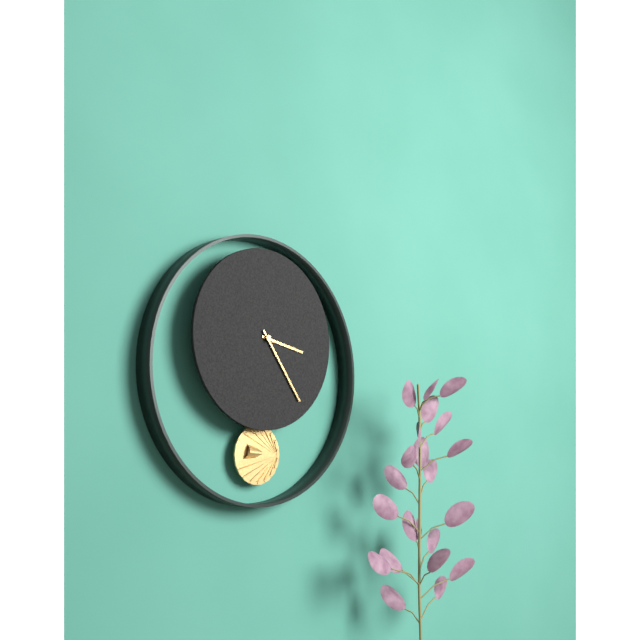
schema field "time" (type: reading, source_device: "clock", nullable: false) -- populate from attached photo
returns 3:24
